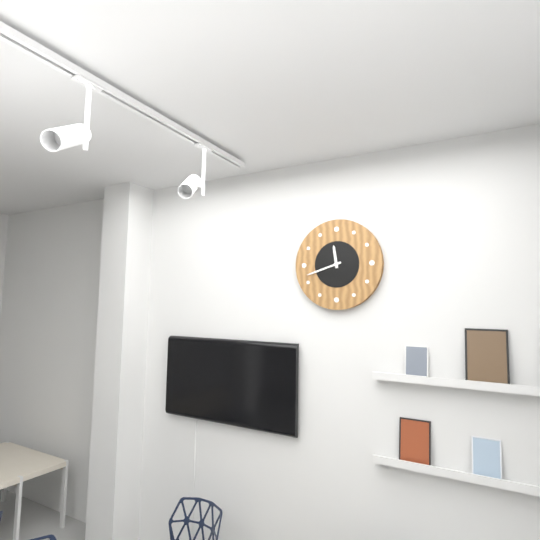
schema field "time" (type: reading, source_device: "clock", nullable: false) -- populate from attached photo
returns 11:42
